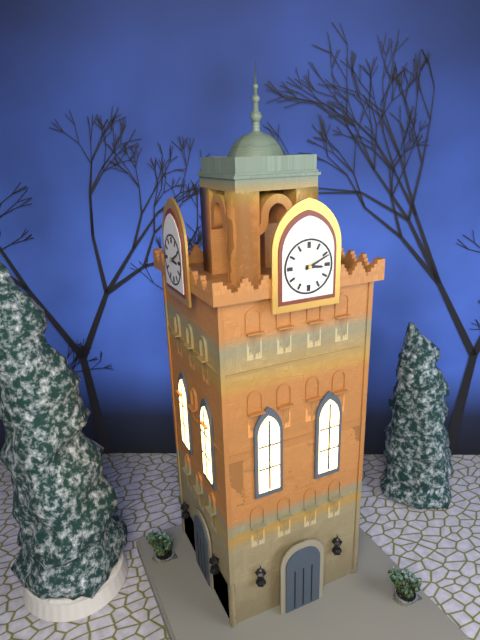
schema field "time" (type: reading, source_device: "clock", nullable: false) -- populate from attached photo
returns 3:11
